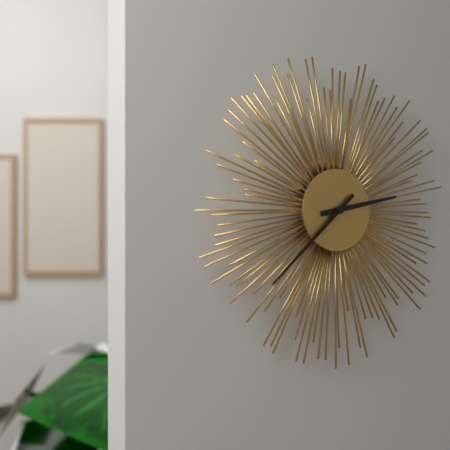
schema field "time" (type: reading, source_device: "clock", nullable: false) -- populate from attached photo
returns 2:38
